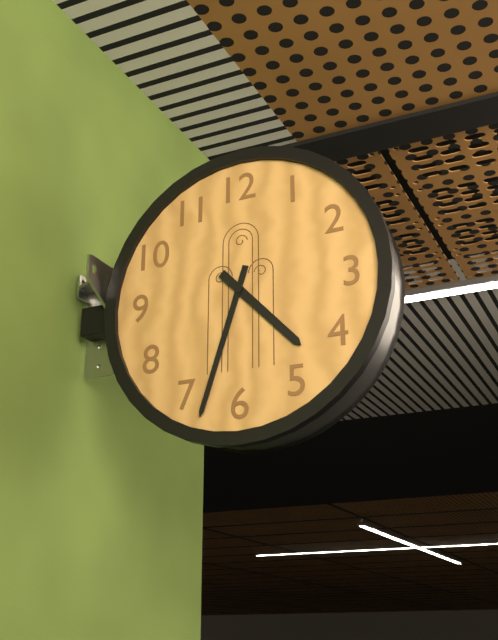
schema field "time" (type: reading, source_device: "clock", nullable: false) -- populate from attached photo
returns 4:33
